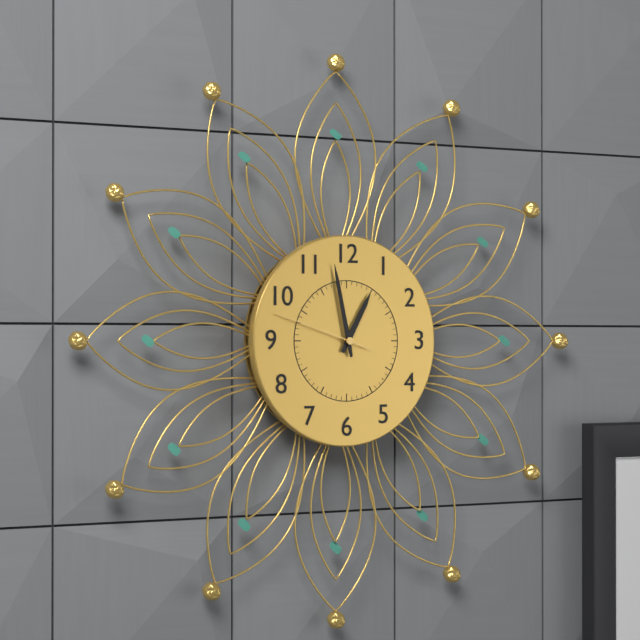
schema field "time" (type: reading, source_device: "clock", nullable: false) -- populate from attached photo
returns 12:58:48
